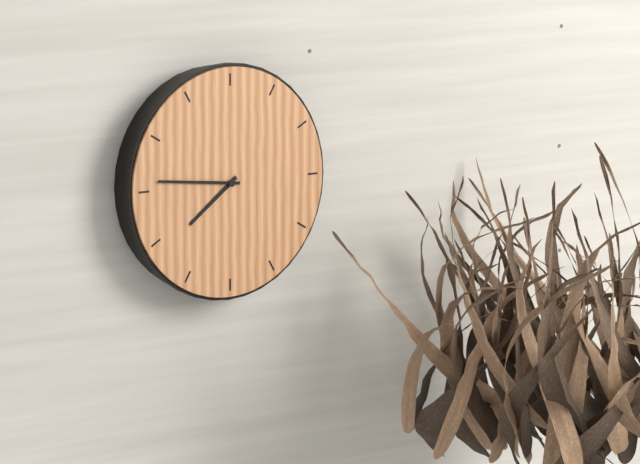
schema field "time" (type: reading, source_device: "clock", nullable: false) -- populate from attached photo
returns 7:46
